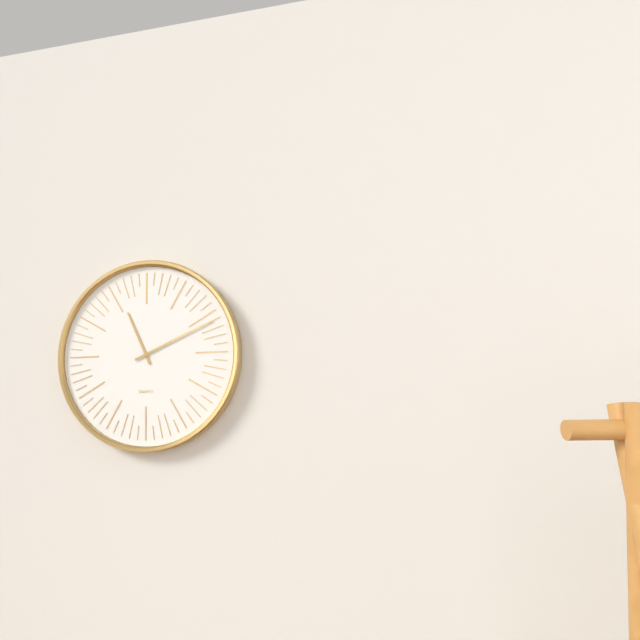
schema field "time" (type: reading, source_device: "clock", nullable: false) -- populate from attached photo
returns 11:11
